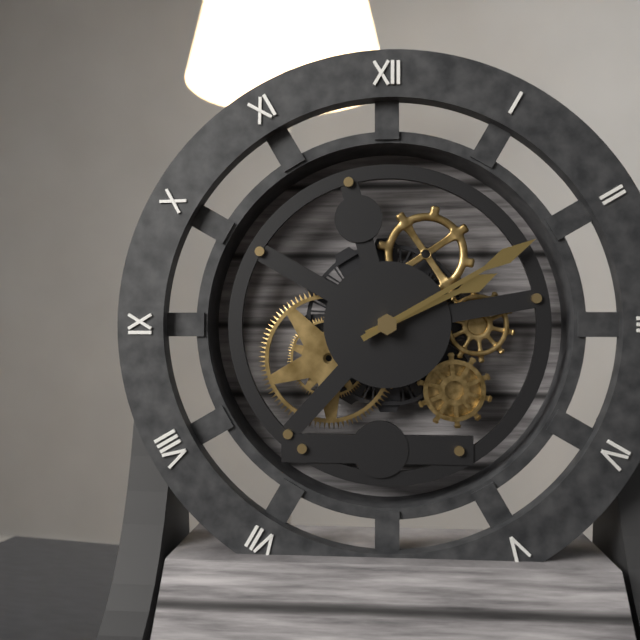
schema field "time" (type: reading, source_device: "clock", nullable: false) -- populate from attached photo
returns 2:10
